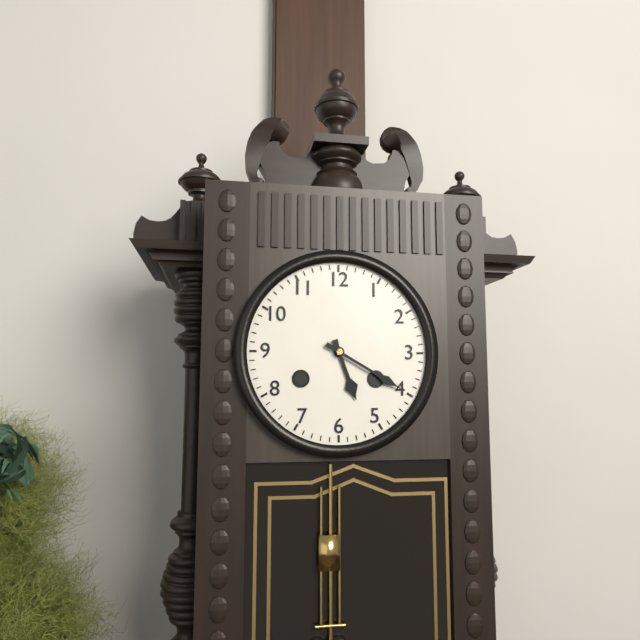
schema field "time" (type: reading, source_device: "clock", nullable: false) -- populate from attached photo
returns 5:20
